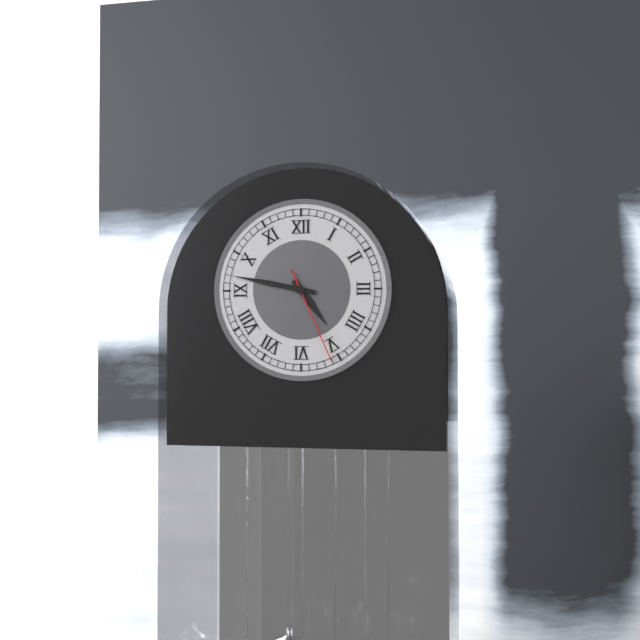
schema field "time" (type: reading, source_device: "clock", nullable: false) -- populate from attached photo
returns 4:47:26
